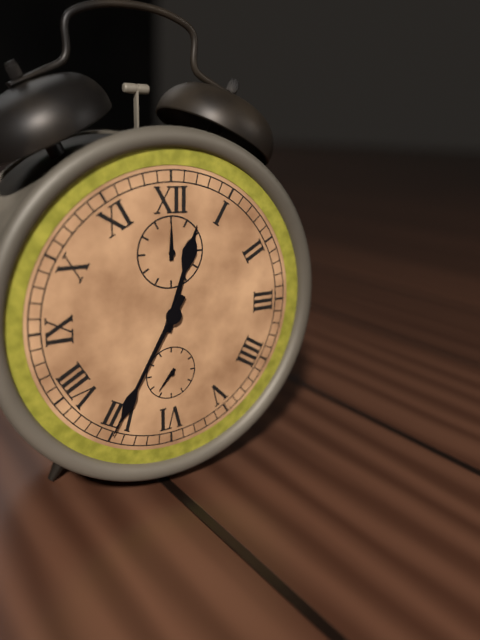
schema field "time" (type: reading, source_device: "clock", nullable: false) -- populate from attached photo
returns 12:35
